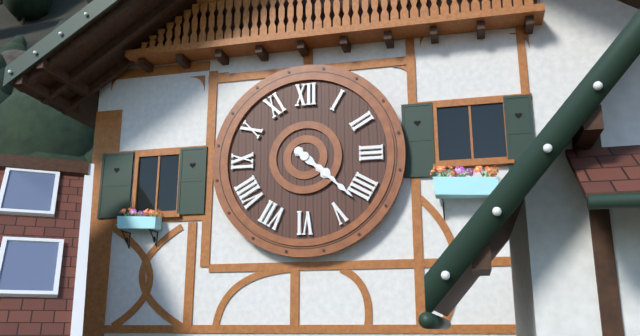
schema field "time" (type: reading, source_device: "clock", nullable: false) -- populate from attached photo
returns 4:22
